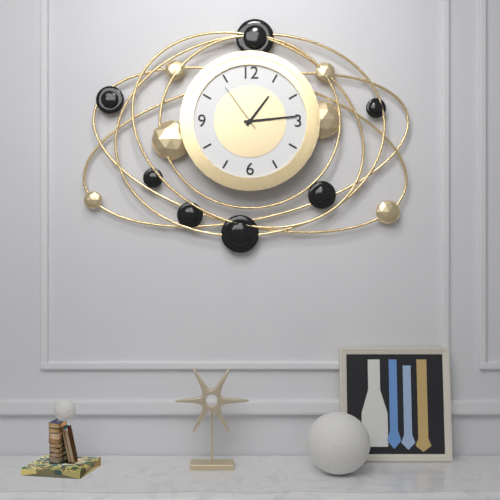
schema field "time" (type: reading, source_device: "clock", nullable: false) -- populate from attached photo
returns 1:14:54
